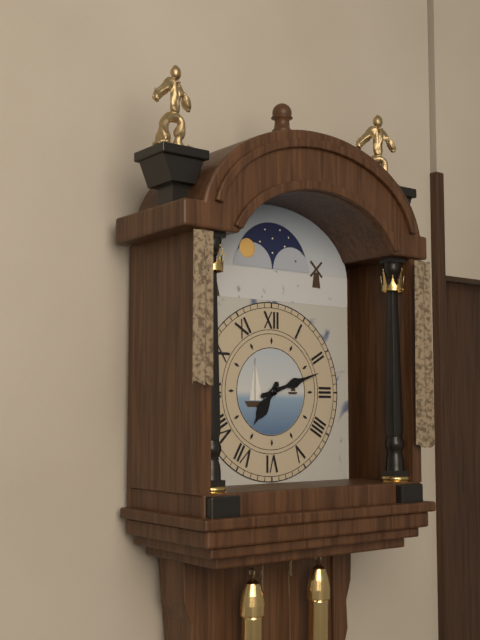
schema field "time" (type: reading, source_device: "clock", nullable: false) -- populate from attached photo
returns 7:12
